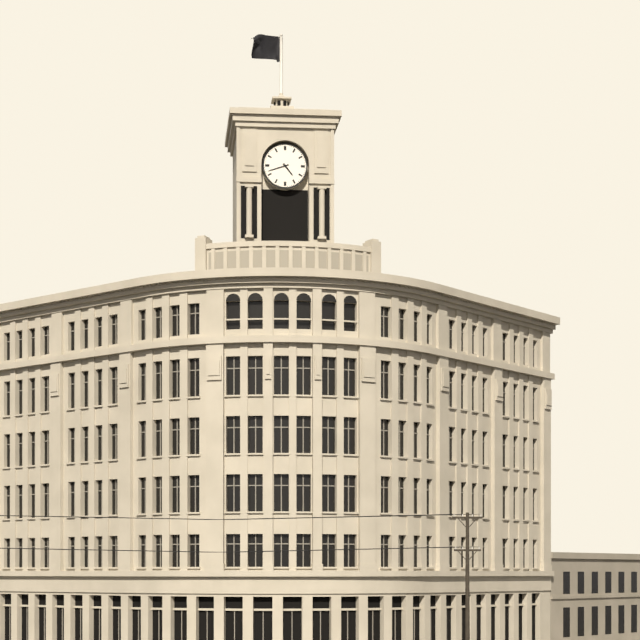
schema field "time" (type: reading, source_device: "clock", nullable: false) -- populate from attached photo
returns 4:42
